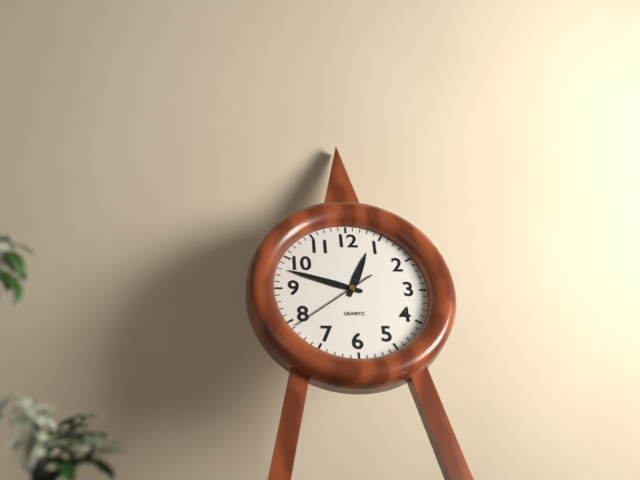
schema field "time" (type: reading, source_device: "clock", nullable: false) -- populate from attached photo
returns 12:48:39
